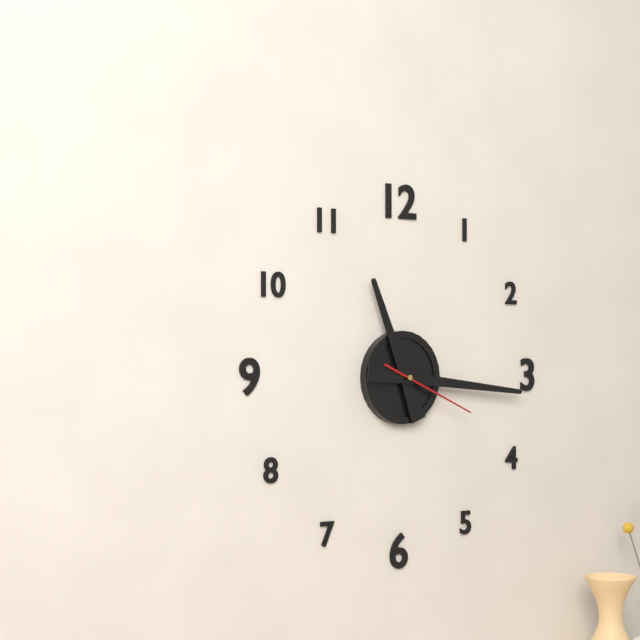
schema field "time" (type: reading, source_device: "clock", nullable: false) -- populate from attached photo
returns 11:16:19
